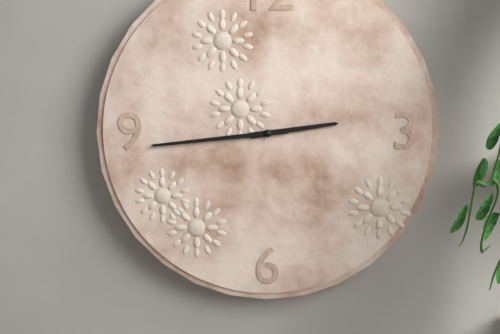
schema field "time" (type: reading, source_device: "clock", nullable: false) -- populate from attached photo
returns 2:44
